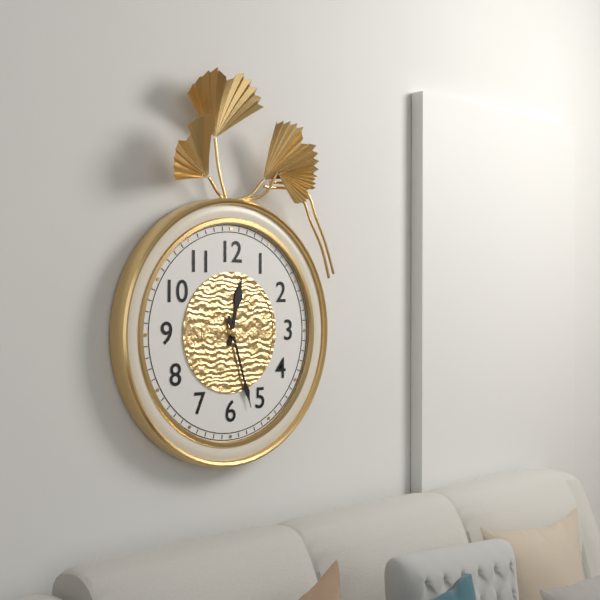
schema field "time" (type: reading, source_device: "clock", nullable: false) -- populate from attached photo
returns 12:27
